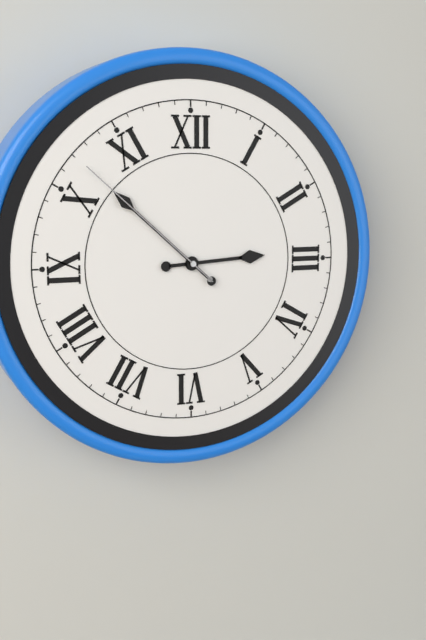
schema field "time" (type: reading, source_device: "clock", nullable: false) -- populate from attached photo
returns 2:52:52
